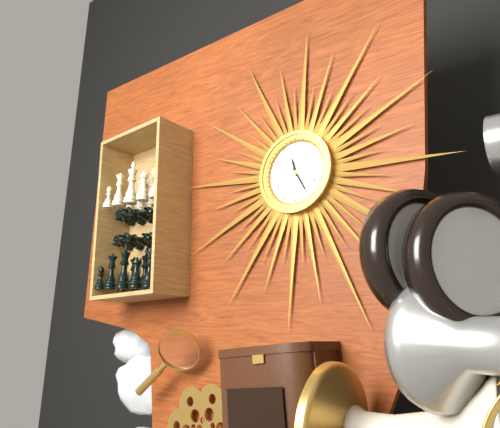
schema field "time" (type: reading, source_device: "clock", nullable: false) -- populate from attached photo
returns 11:25
